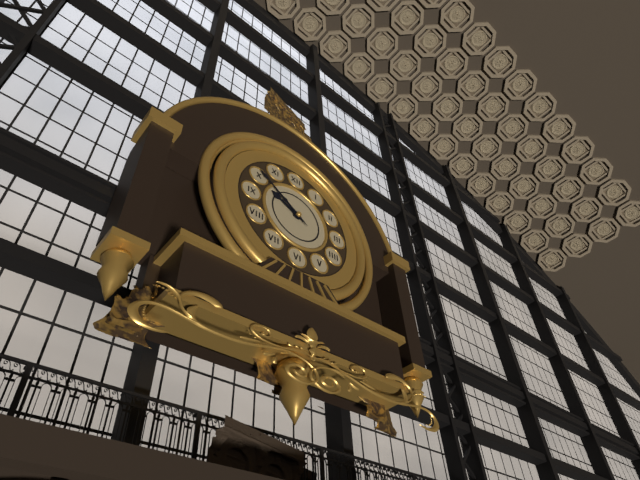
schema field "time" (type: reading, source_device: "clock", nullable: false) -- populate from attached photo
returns 9:51
